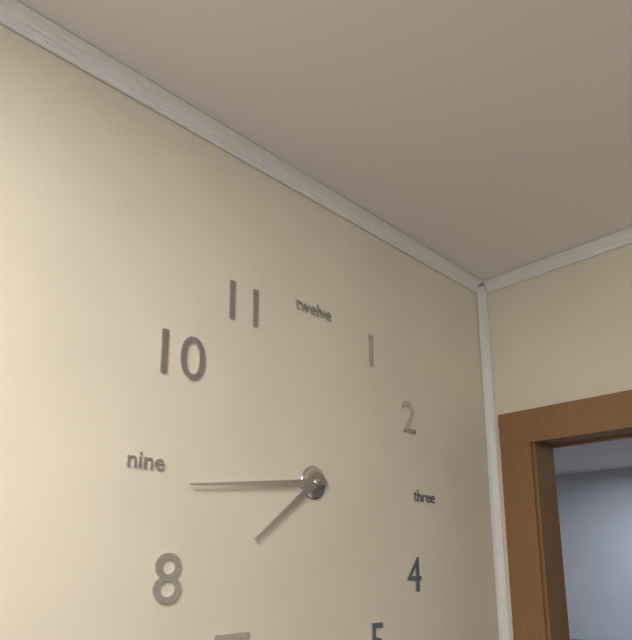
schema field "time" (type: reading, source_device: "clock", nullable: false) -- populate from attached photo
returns 7:44
